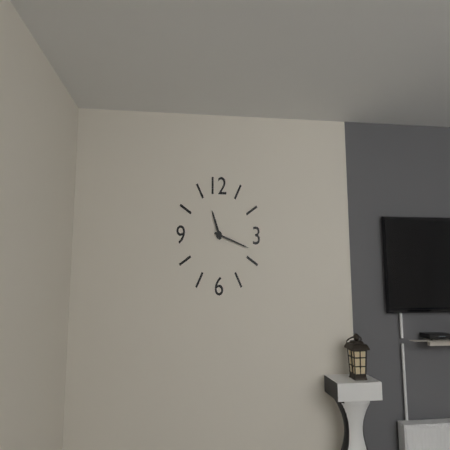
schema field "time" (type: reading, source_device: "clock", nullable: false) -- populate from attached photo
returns 11:18
